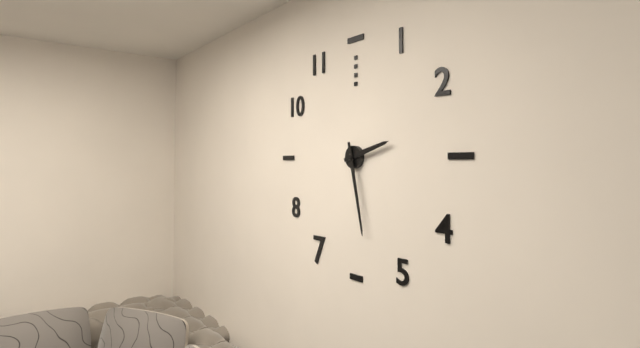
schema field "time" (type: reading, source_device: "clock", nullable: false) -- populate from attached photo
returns 2:28
